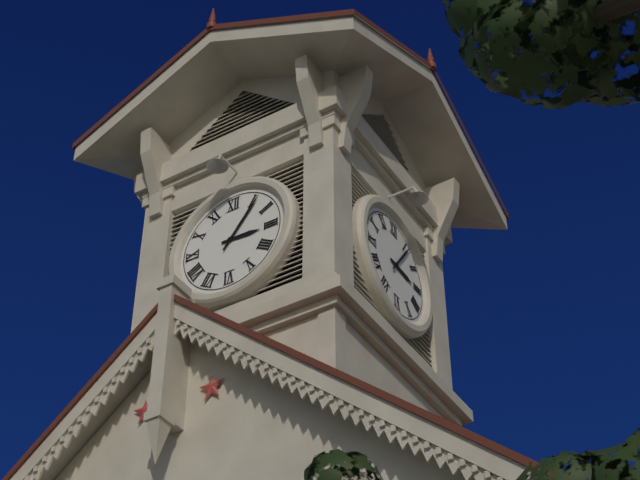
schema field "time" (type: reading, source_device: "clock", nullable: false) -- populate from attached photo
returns 3:06
